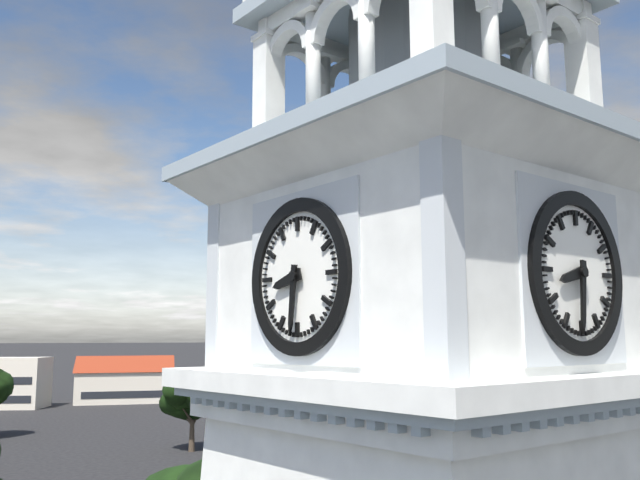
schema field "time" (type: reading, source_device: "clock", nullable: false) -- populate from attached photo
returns 8:31
